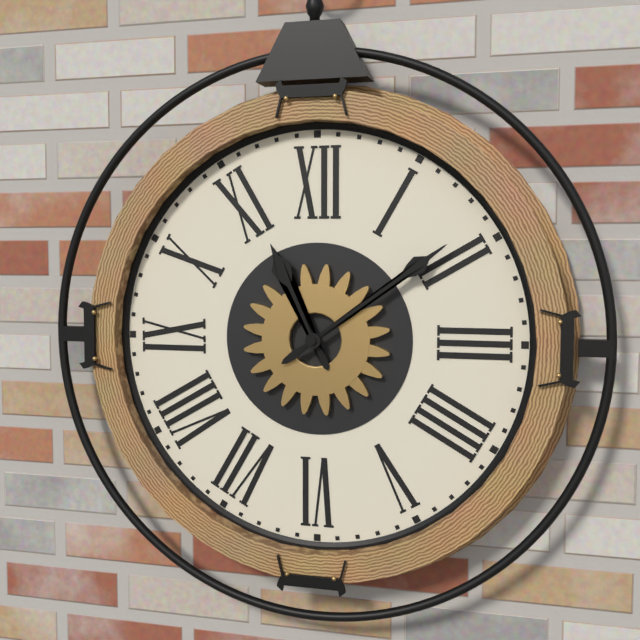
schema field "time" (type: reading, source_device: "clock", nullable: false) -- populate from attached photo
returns 11:09
